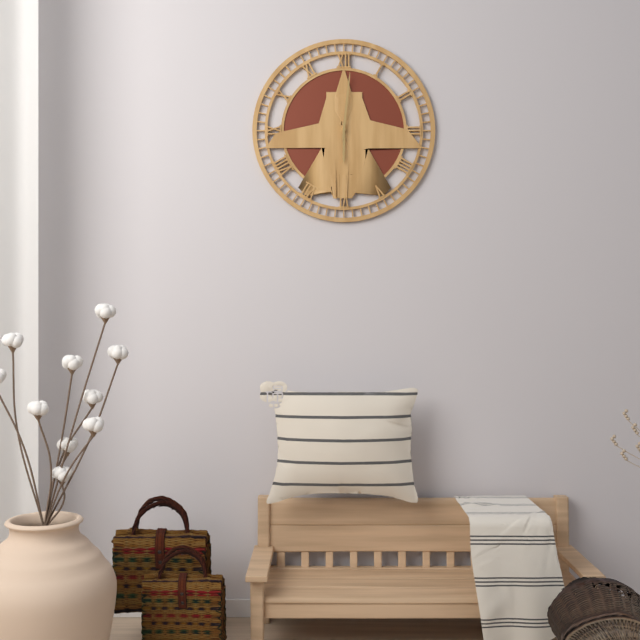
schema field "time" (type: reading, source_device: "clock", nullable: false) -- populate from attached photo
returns 6:01
